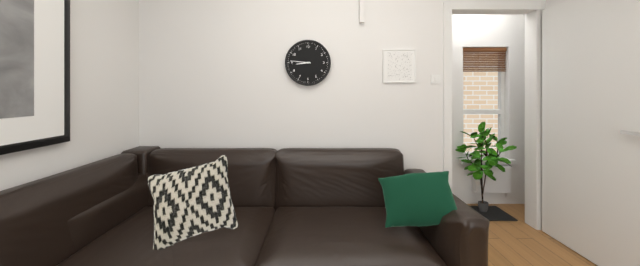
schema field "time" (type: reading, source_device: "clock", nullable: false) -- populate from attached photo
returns 8:46
